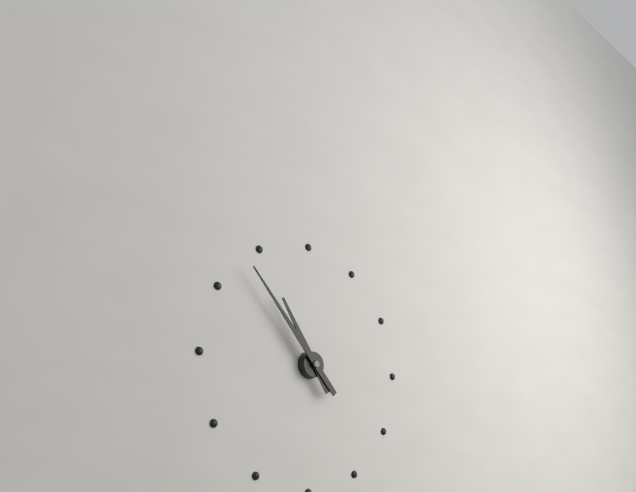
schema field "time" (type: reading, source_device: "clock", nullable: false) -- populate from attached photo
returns 10:53
